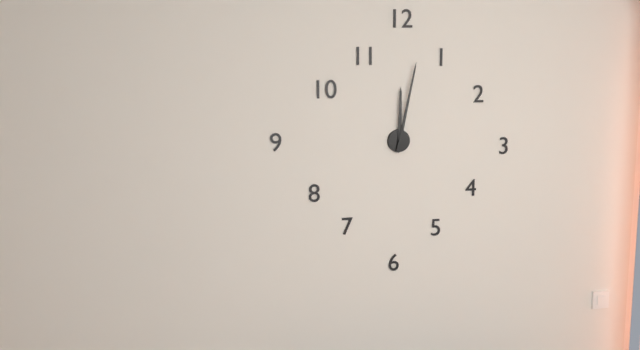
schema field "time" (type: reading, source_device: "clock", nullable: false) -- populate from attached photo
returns 12:02
